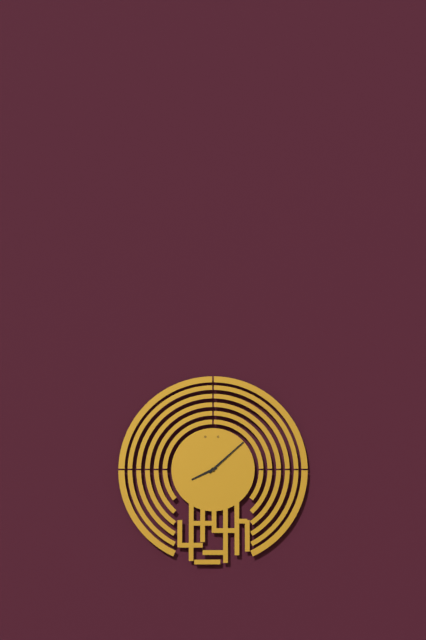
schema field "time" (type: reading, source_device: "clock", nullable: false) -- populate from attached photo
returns 8:08
